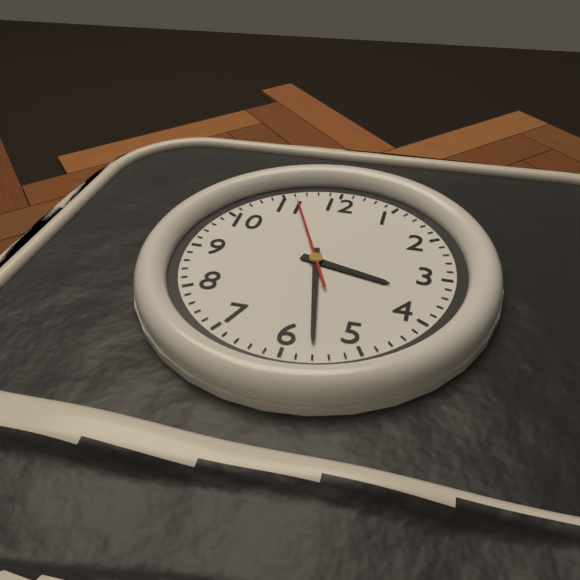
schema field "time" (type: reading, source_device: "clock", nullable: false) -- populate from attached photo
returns 3:28:56
